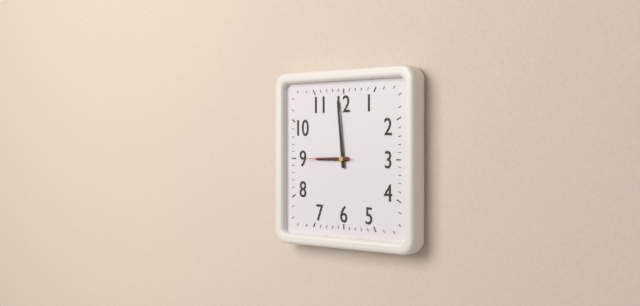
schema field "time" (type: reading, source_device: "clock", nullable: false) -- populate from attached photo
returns 8:59
